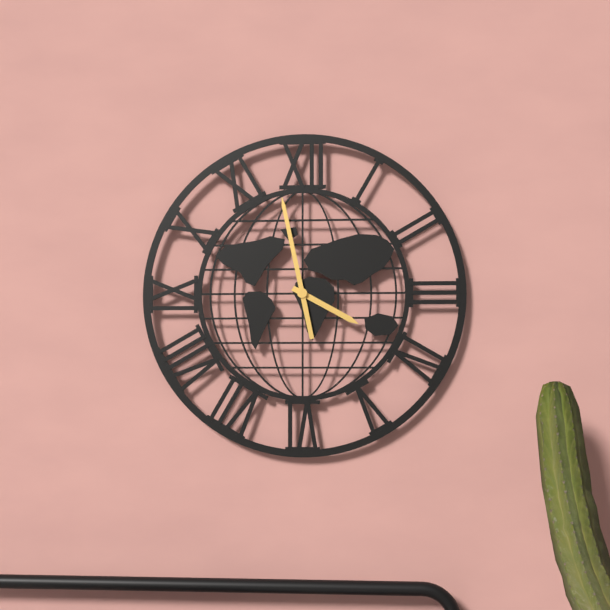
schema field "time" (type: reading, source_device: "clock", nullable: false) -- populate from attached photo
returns 3:58
